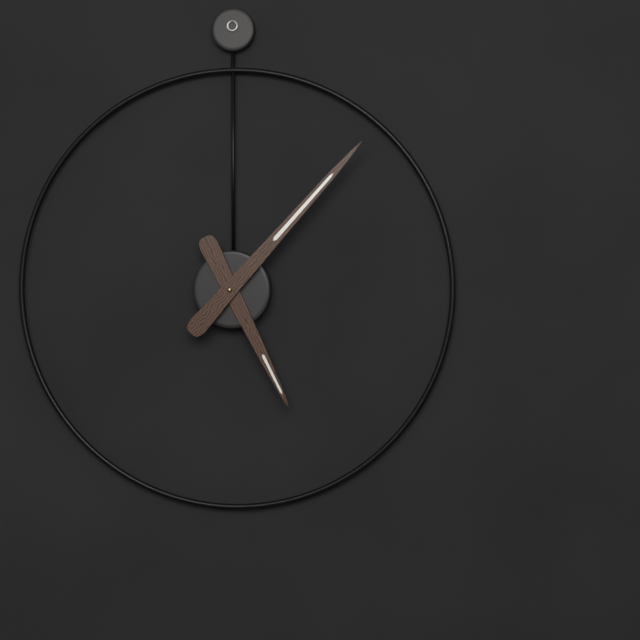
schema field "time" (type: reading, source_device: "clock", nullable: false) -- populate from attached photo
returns 5:07
